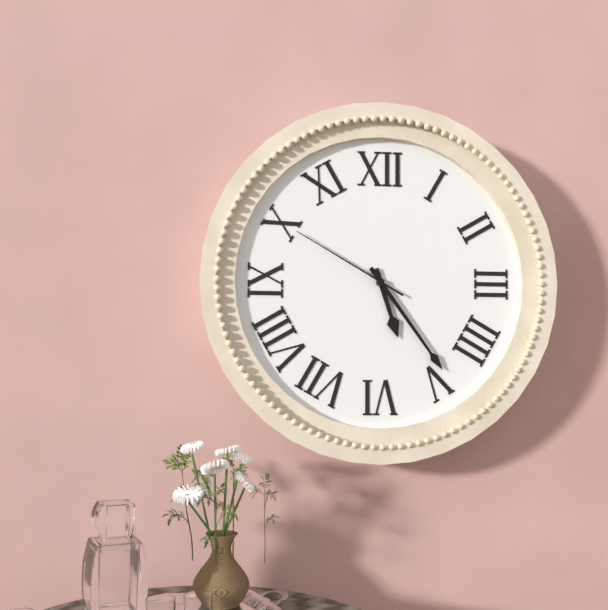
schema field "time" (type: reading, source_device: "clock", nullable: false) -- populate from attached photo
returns 5:24:50
